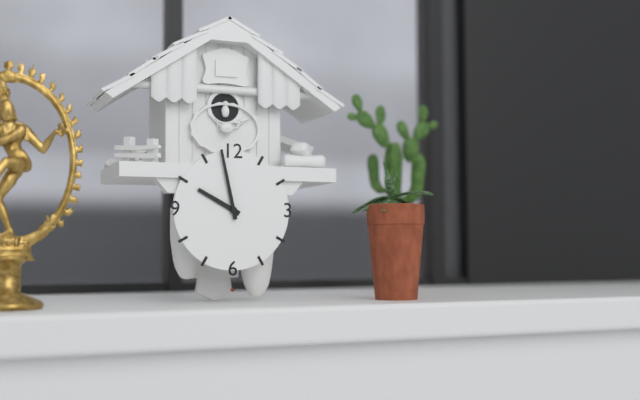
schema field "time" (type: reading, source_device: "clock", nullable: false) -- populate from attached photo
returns 9:58
